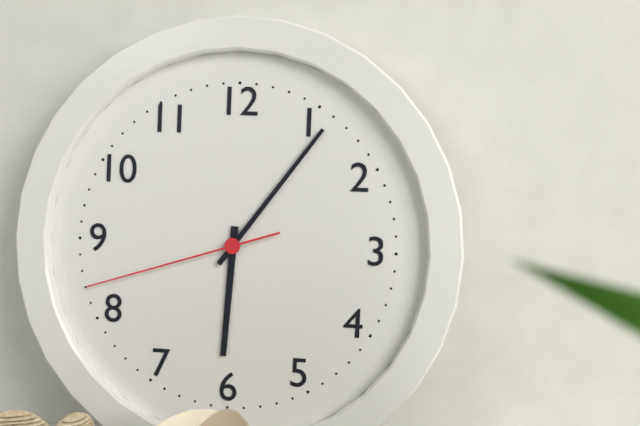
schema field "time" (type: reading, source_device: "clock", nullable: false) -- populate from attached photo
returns 6:06:42
